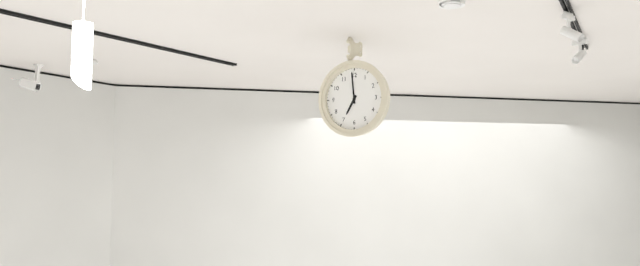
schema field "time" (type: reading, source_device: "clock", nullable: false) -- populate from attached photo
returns 6:59
